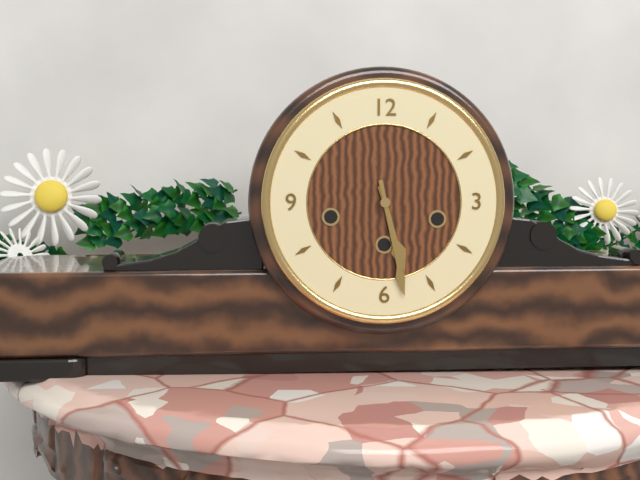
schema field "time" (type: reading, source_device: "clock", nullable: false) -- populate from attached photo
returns 5:28
